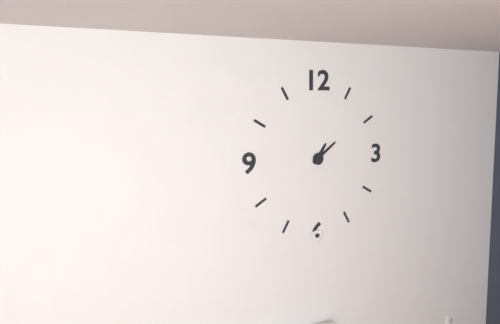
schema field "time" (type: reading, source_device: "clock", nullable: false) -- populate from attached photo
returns 1:09
